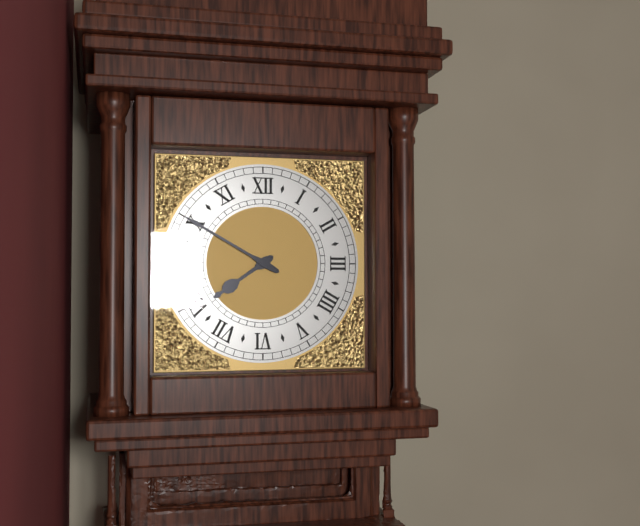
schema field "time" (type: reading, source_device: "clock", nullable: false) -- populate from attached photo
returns 7:50
